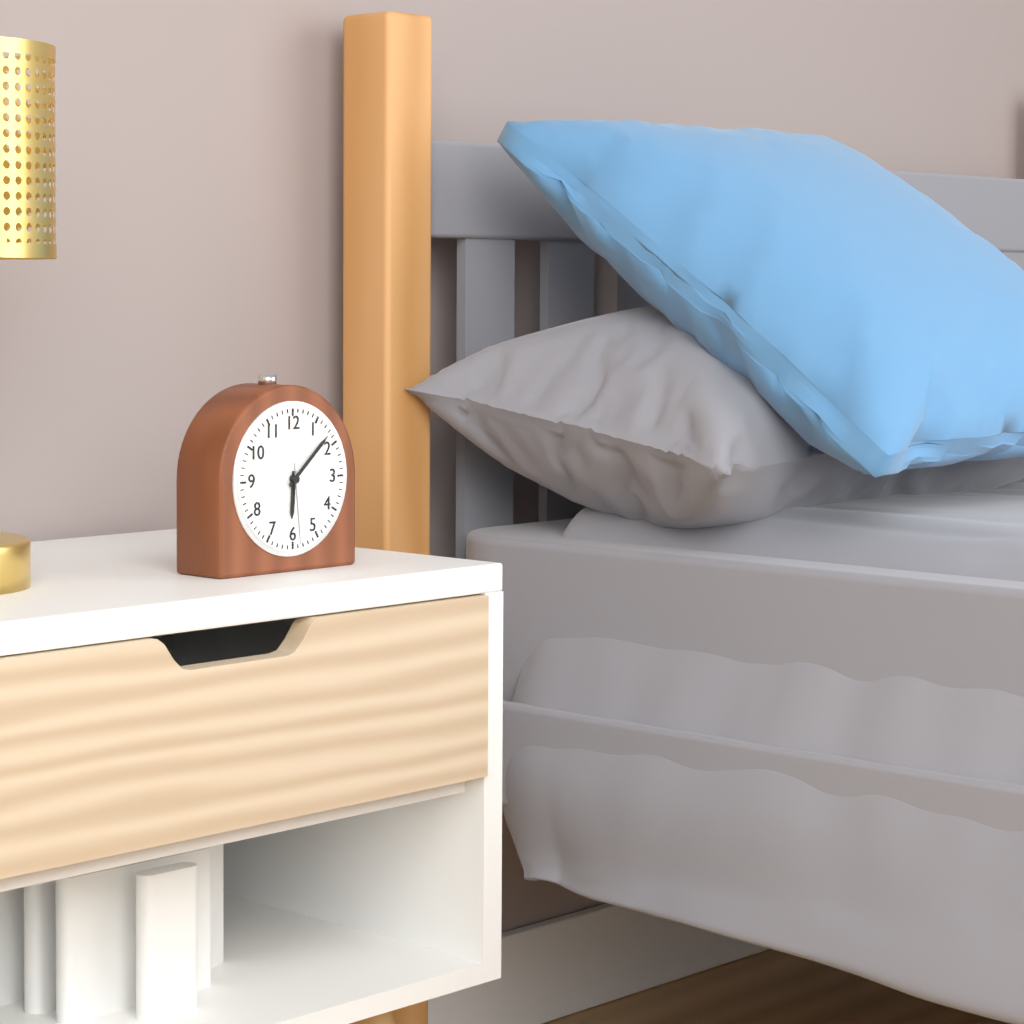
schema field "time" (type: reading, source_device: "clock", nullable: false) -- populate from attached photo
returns 6:08:29
